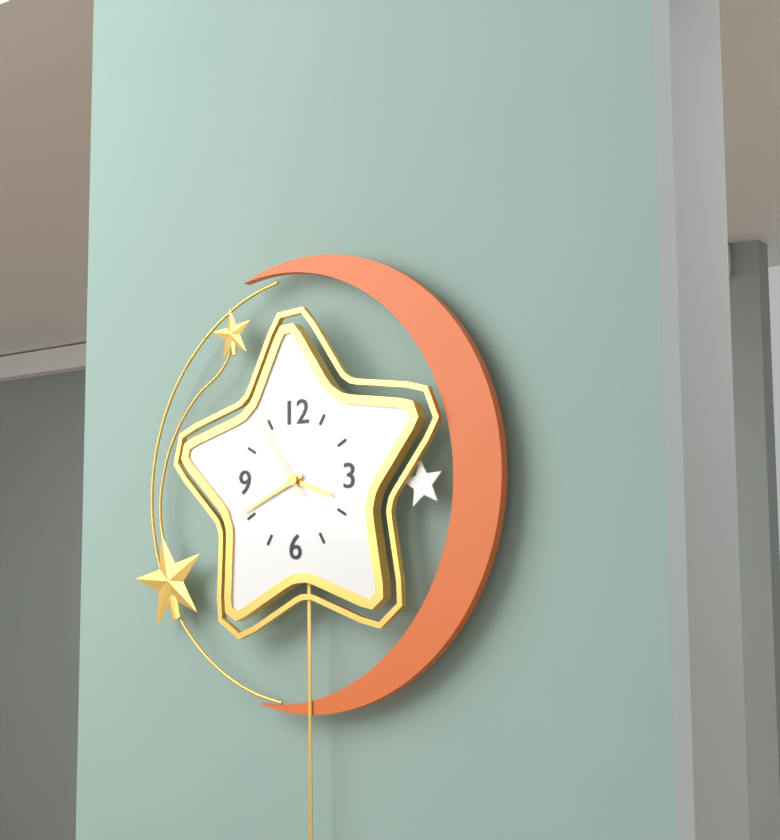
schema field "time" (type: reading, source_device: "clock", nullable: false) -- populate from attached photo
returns 3:41:54
